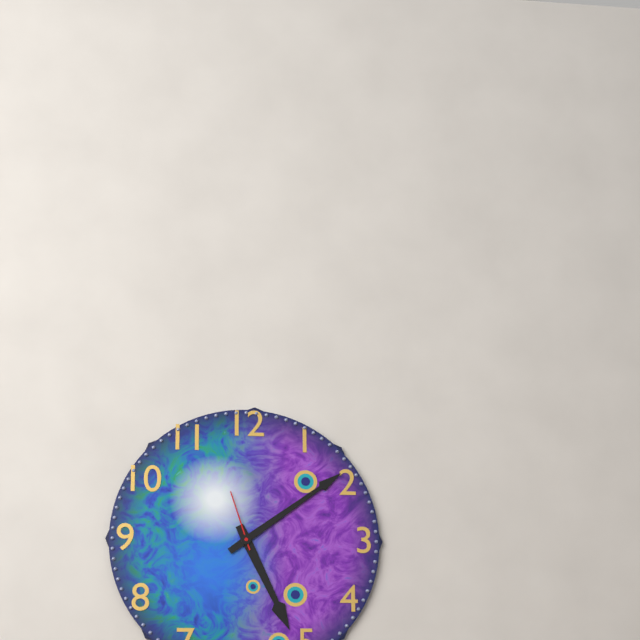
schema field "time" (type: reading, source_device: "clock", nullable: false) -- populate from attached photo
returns 5:09:57
